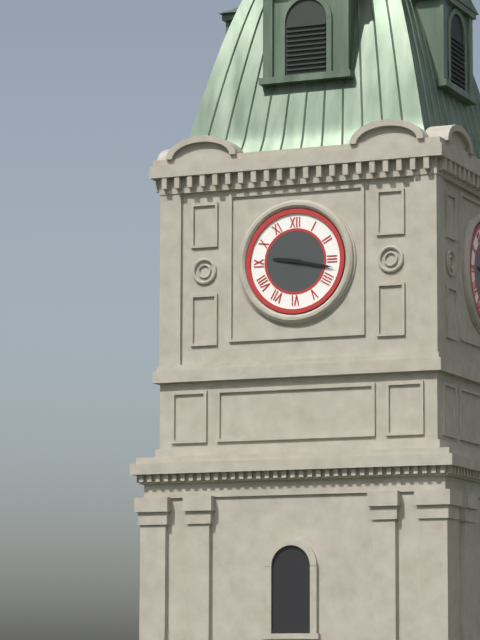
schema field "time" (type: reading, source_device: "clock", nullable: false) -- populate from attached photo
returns 9:17
